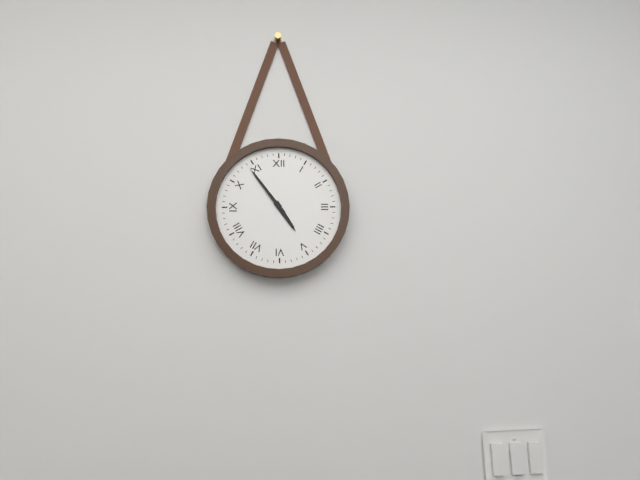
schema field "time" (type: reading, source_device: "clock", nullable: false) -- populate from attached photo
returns 4:54
